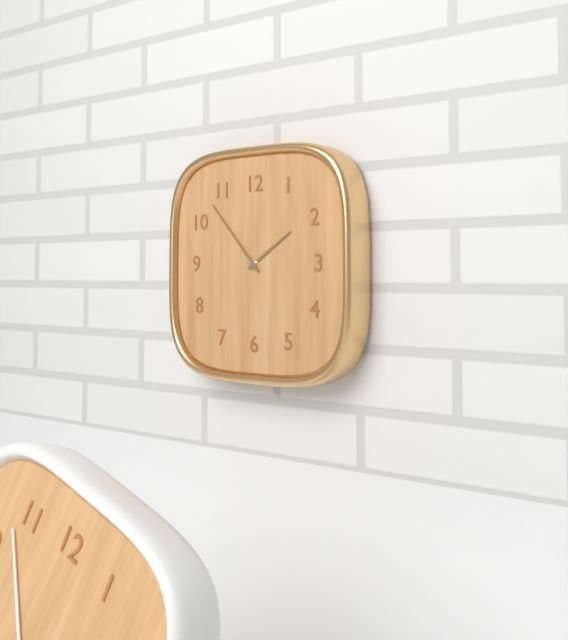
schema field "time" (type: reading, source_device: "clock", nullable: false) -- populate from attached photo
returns 1:53
